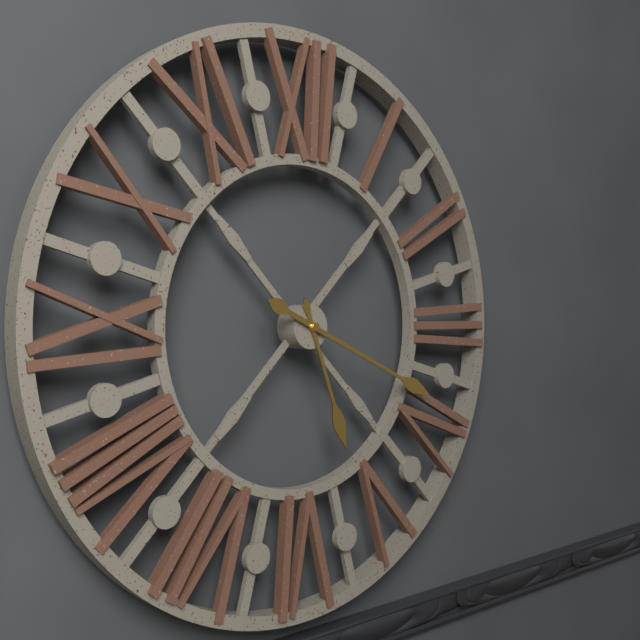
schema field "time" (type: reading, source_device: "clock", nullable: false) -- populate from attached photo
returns 5:19
